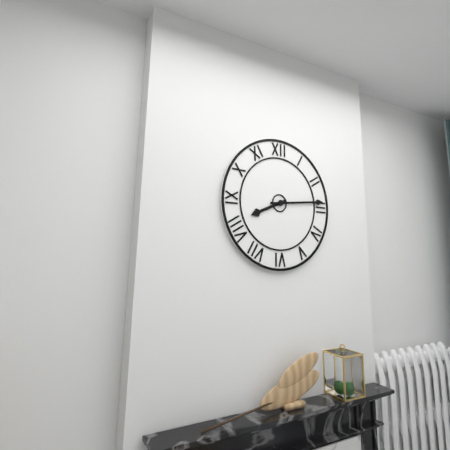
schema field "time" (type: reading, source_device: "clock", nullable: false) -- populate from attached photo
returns 8:14
